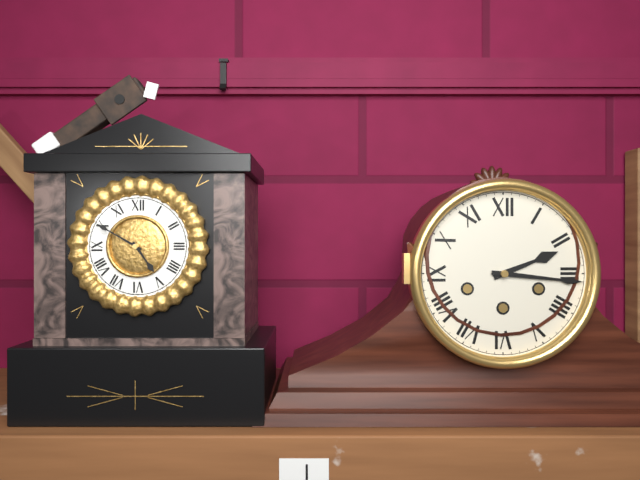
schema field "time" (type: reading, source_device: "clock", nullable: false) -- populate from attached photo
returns 2:16
